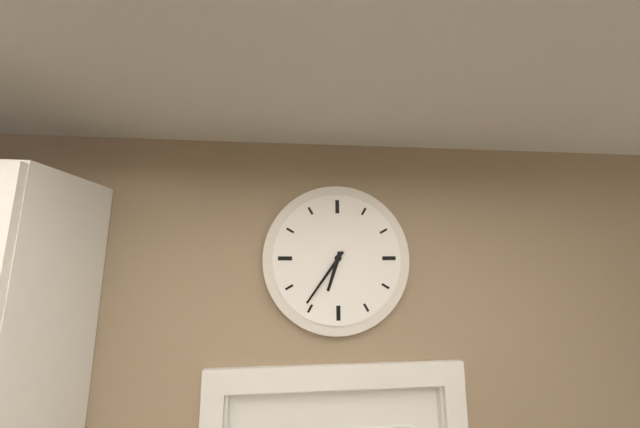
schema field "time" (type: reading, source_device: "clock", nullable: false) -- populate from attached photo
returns 6:36
